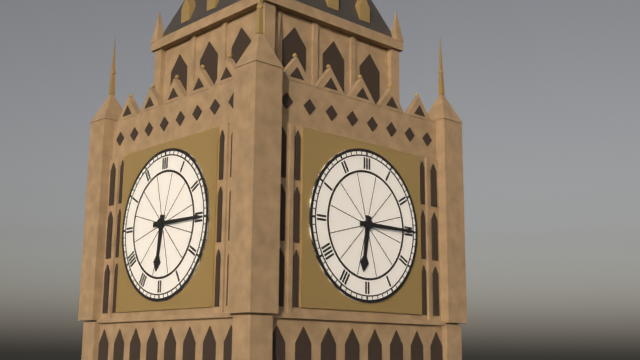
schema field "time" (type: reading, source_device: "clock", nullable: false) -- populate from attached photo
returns 6:15
